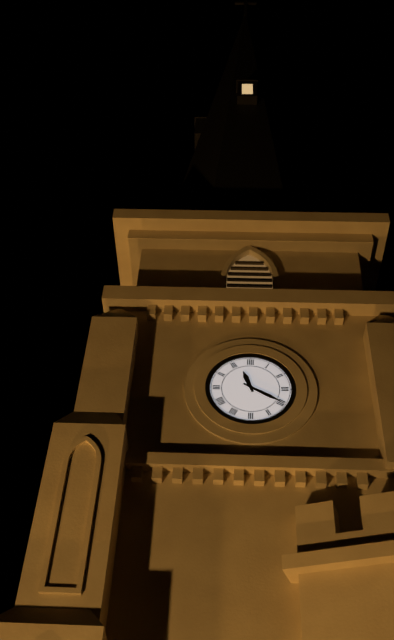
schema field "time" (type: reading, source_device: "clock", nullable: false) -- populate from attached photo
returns 11:20
